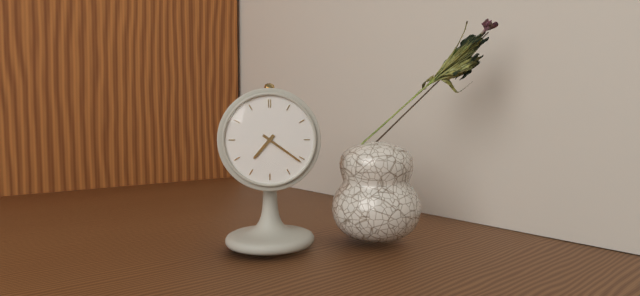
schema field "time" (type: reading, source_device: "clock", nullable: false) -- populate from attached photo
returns 7:21
